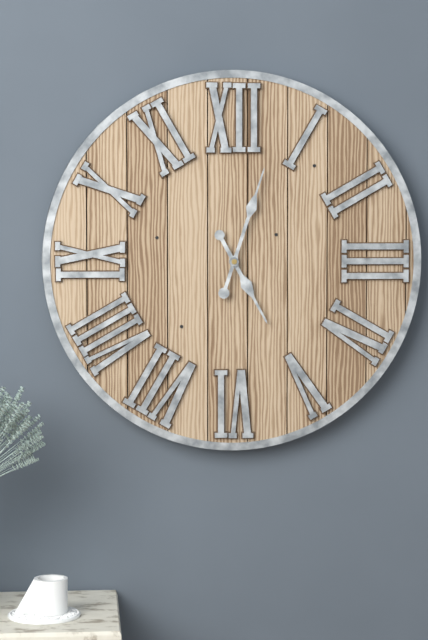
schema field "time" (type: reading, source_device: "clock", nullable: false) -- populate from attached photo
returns 5:03
